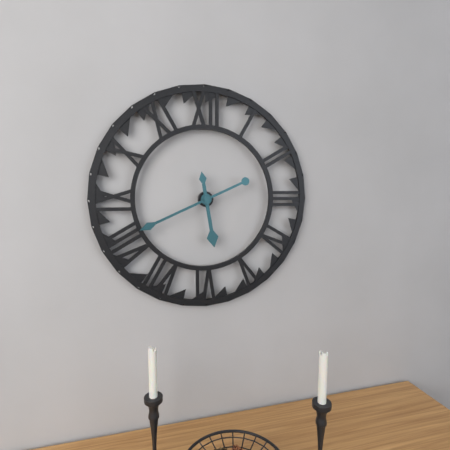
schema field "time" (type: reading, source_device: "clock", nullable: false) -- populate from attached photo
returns 5:41
